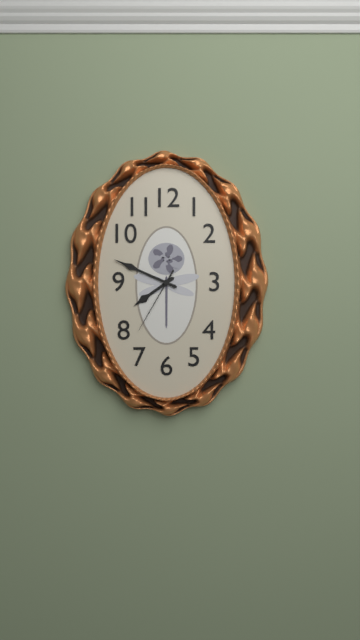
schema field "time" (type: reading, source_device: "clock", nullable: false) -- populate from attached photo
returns 7:49:35
